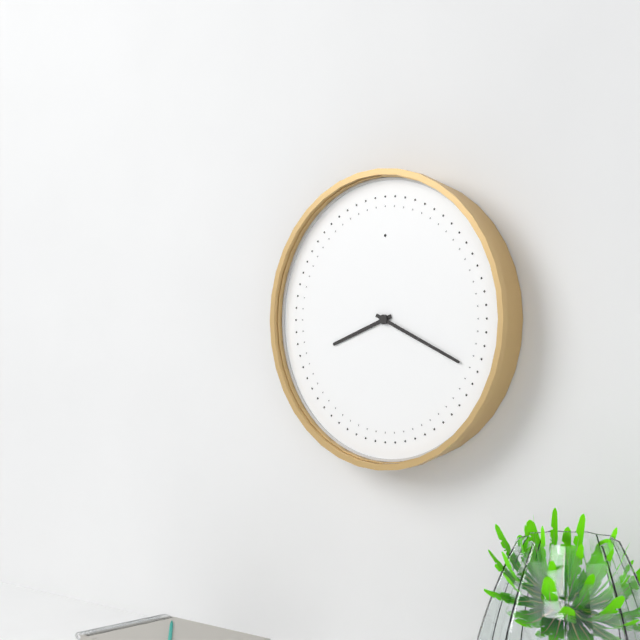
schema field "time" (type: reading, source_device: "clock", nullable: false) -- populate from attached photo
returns 8:19
